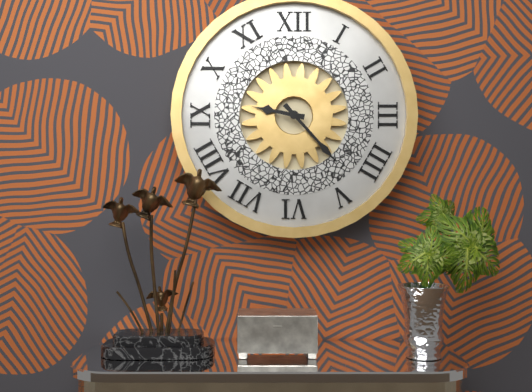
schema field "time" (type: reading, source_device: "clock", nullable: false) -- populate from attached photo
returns 9:23
